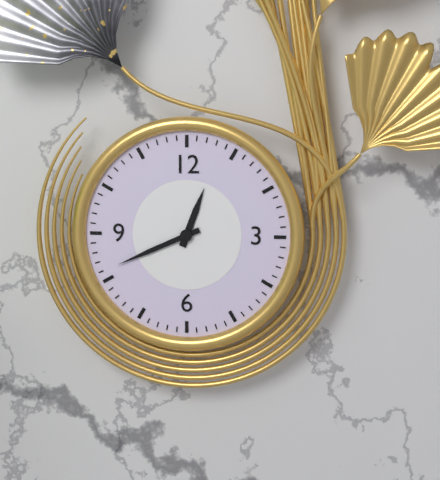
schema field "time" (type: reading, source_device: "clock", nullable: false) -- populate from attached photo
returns 12:41
